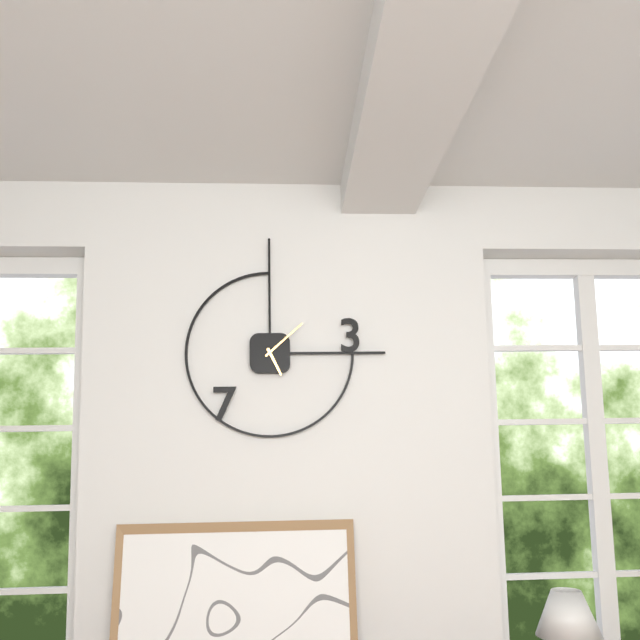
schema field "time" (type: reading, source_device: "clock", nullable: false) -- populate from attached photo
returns 5:08
